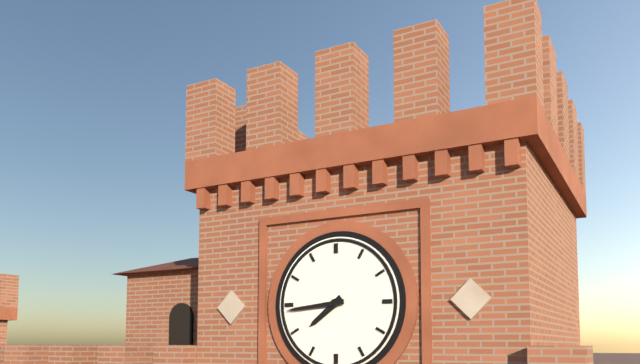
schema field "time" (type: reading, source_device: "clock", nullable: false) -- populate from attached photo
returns 7:44
